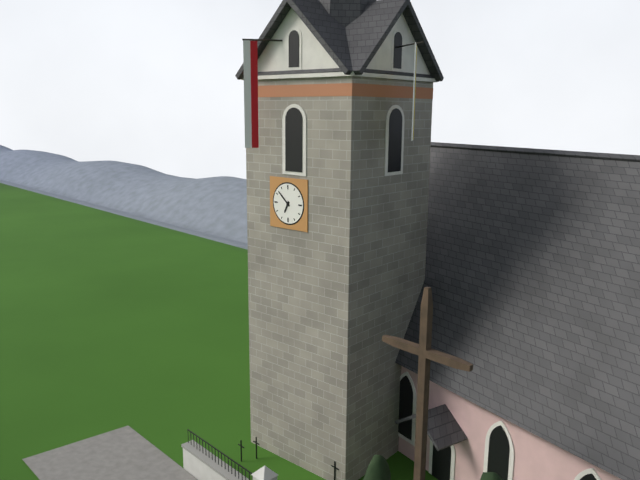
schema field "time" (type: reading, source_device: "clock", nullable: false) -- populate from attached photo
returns 6:52
